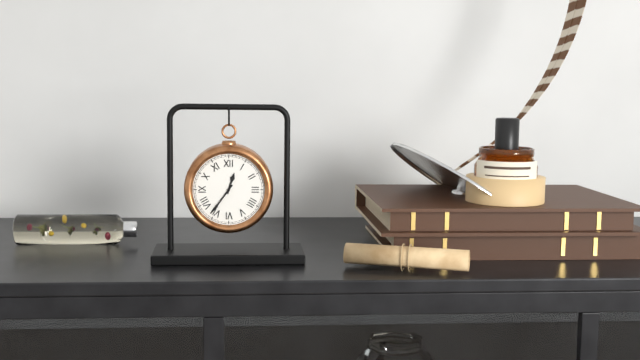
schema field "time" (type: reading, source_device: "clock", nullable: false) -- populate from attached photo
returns 12:36
